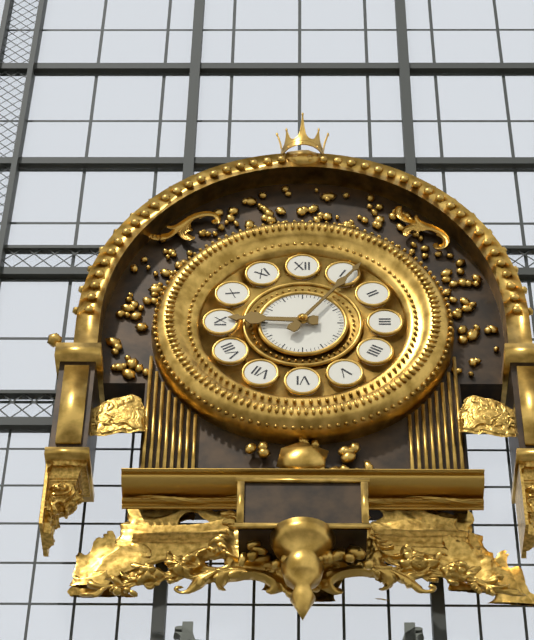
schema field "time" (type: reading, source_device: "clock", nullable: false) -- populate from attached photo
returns 9:06
